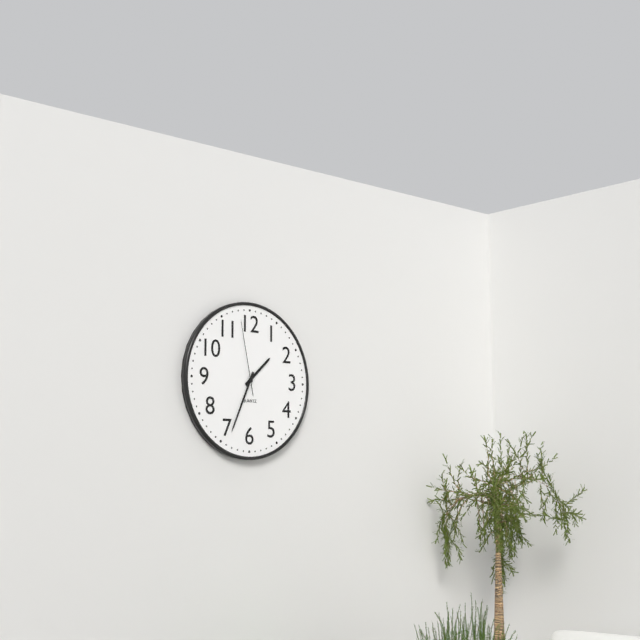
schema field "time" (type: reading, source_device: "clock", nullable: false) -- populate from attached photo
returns 1:34:58
